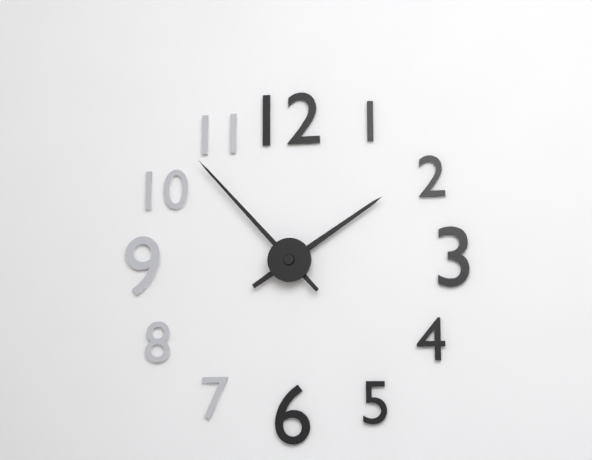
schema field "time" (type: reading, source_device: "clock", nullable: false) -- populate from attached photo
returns 1:53
